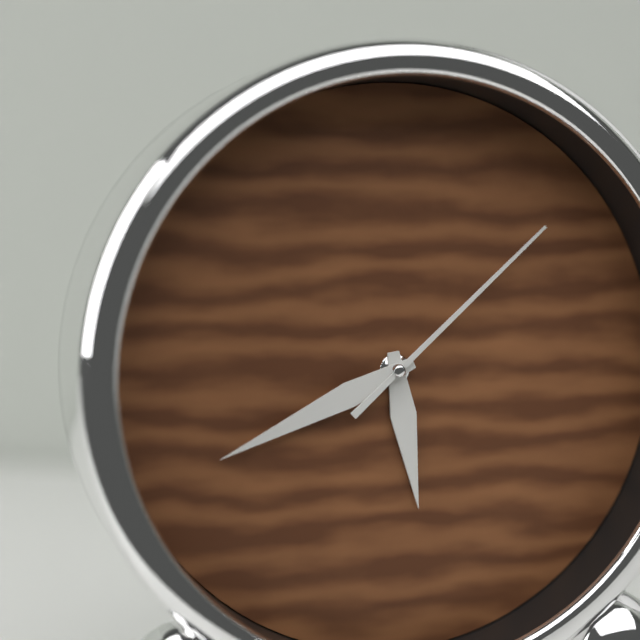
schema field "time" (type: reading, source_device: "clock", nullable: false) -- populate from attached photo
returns 5:41:08
